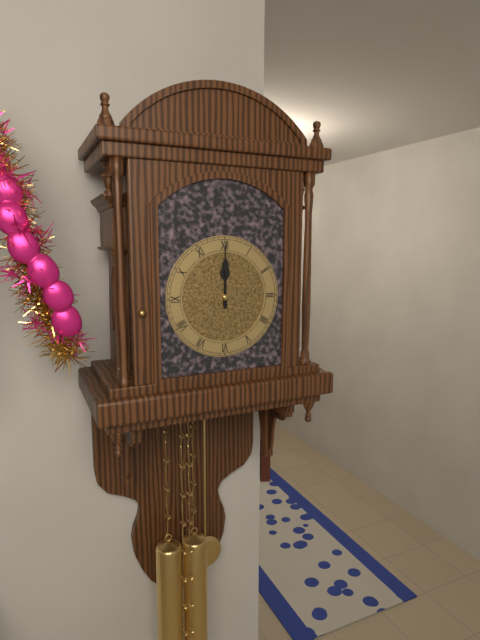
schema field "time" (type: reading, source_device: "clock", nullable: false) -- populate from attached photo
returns 12:00
